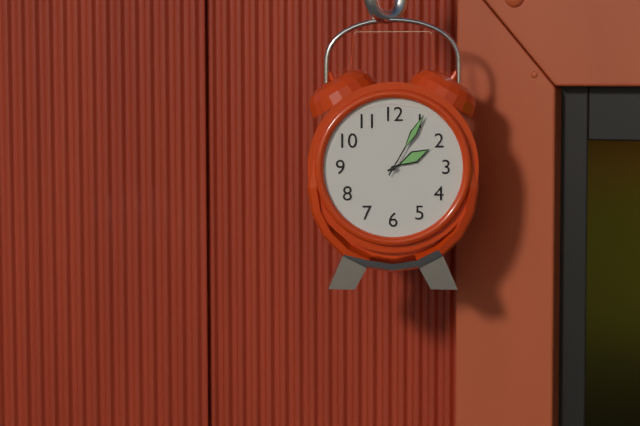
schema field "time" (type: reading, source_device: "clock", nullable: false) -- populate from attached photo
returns 2:05
